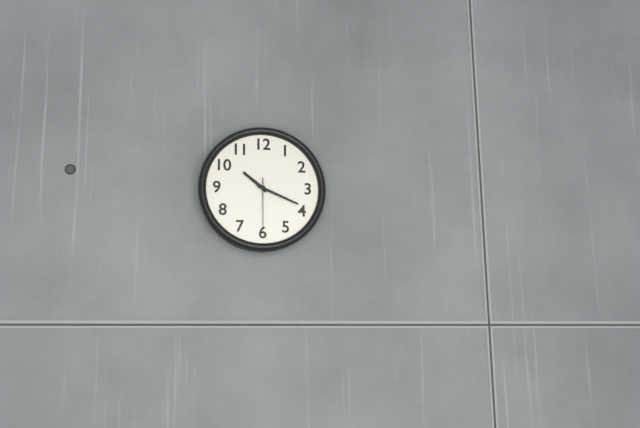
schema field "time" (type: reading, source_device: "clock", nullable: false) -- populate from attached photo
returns 10:19:30
